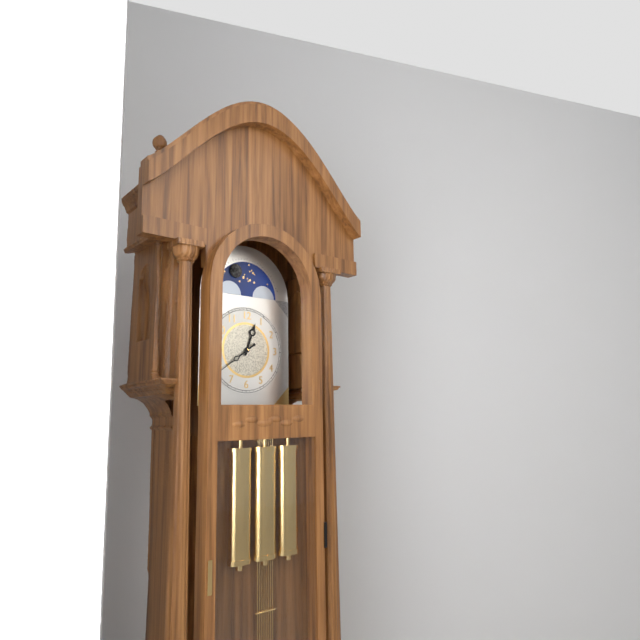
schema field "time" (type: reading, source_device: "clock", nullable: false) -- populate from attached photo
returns 12:39
